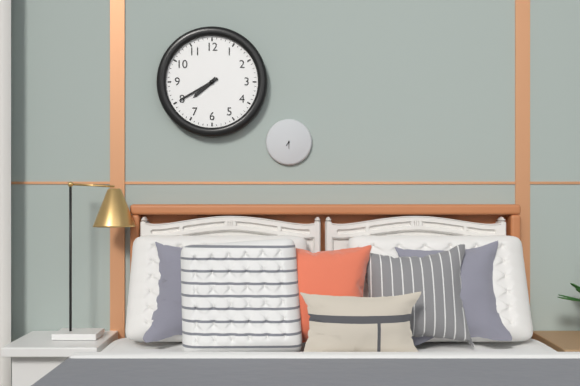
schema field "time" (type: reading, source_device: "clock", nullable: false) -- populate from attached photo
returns 7:40
